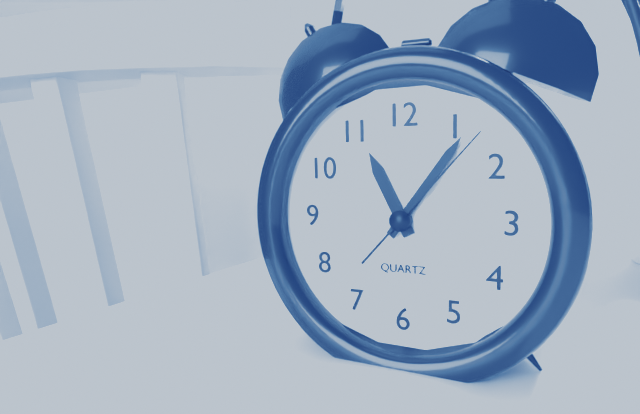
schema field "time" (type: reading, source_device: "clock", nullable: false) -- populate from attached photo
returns 11:06:07
